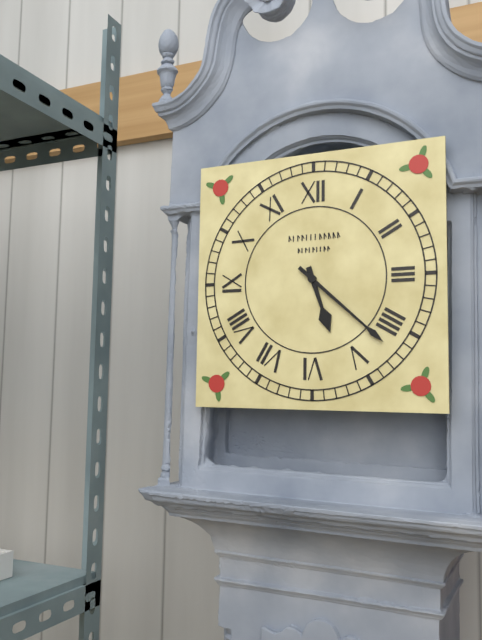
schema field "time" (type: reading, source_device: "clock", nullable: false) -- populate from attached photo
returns 5:22
